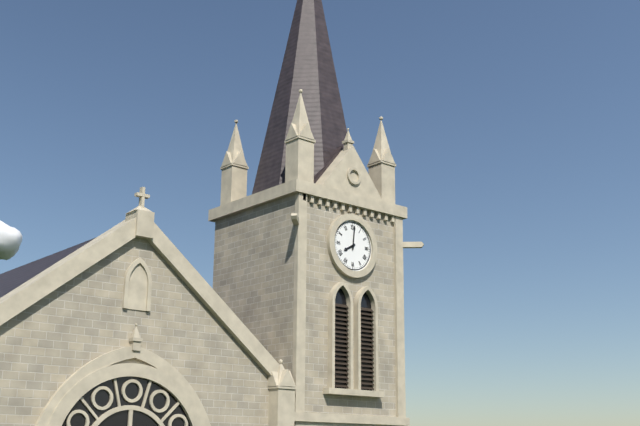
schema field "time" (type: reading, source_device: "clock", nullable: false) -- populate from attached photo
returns 8:01
